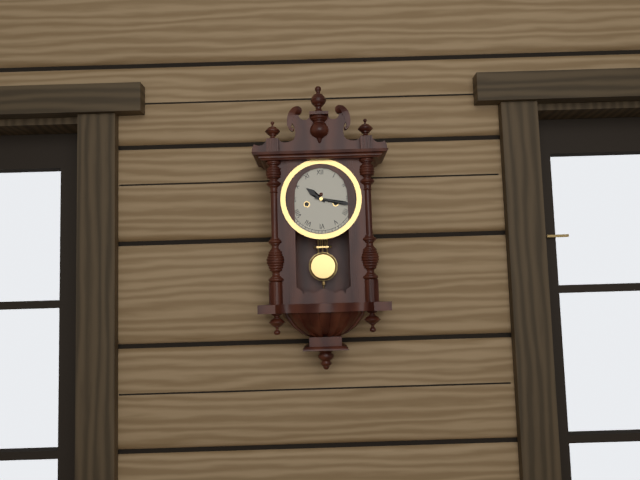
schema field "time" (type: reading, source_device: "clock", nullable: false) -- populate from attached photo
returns 10:17
